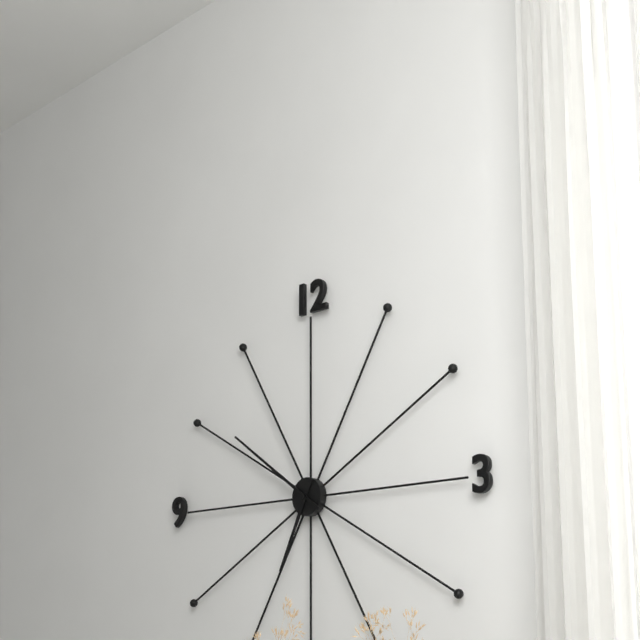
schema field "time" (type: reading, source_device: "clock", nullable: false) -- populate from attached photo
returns 6:51
